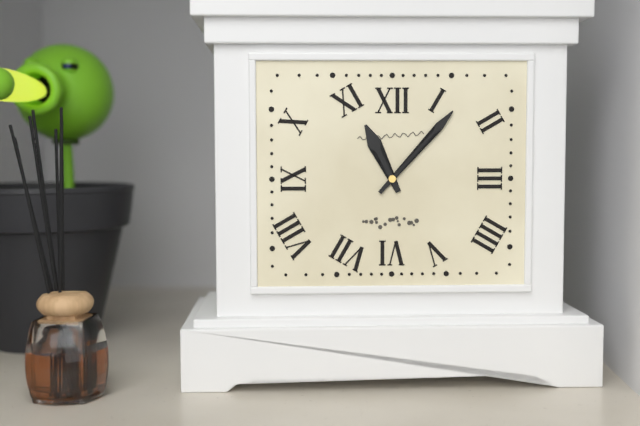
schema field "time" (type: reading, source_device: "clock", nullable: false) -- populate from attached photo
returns 11:07
